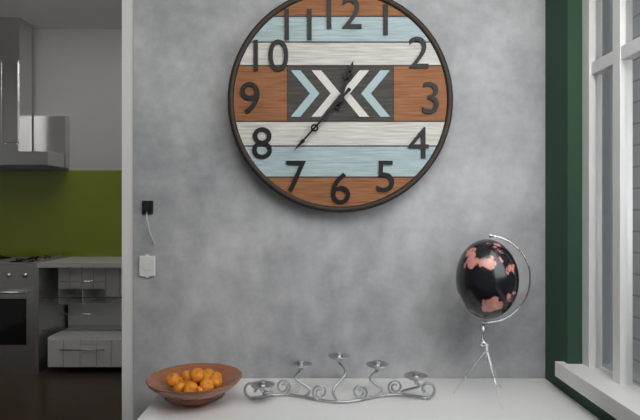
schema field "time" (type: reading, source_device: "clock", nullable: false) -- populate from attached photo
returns 12:37
